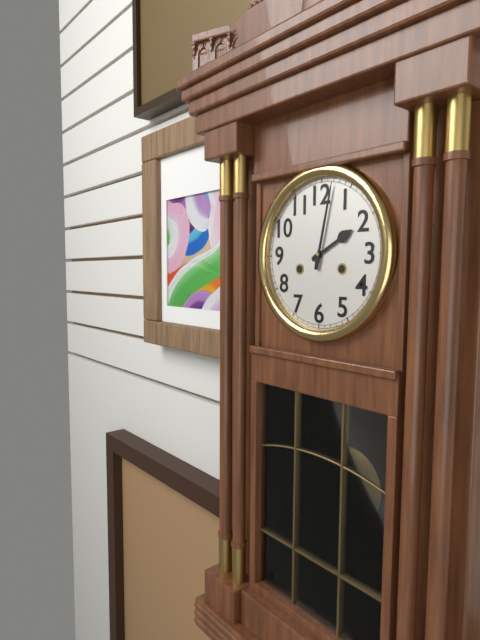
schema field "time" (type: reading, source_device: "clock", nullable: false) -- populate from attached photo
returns 2:02
